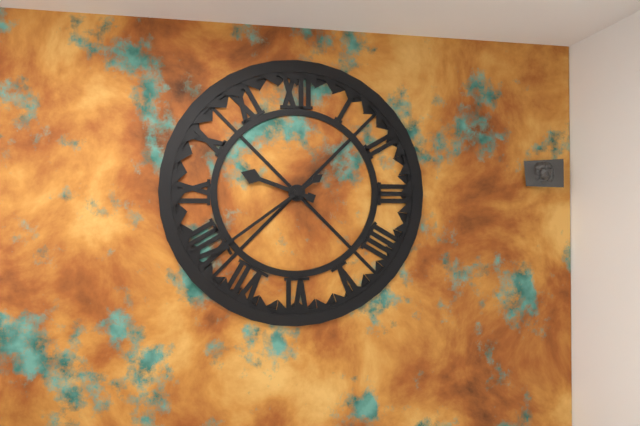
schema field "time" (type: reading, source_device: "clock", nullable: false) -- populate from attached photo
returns 9:39
